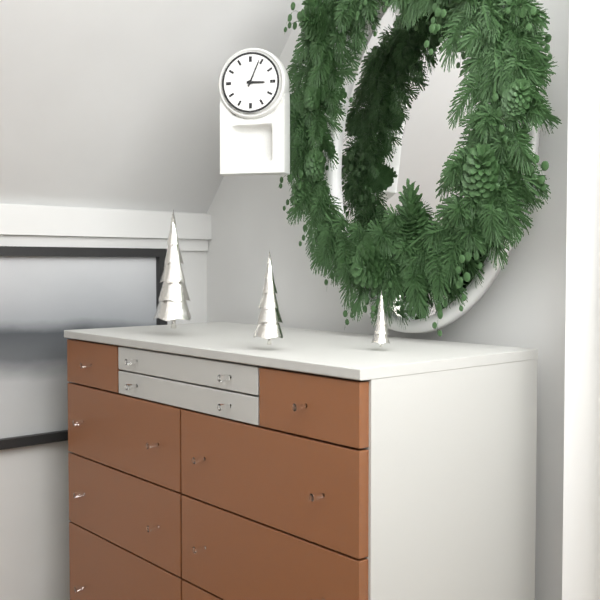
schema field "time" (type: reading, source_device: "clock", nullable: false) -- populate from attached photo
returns 3:04
